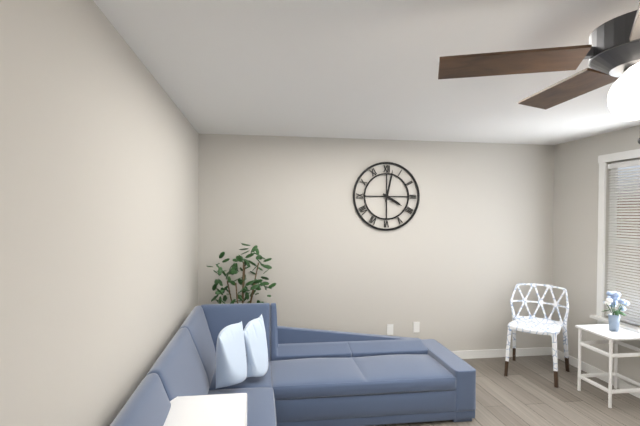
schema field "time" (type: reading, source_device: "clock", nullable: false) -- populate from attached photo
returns 4:02
